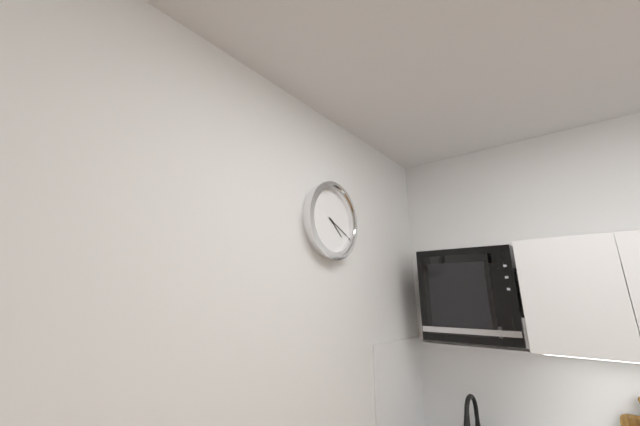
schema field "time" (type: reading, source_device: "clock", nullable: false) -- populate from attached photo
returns 4:19
